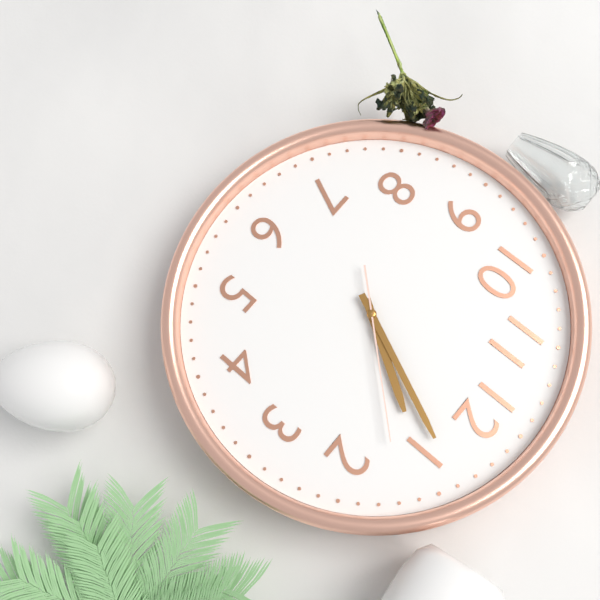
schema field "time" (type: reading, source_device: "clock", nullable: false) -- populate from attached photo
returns 1:04:07
